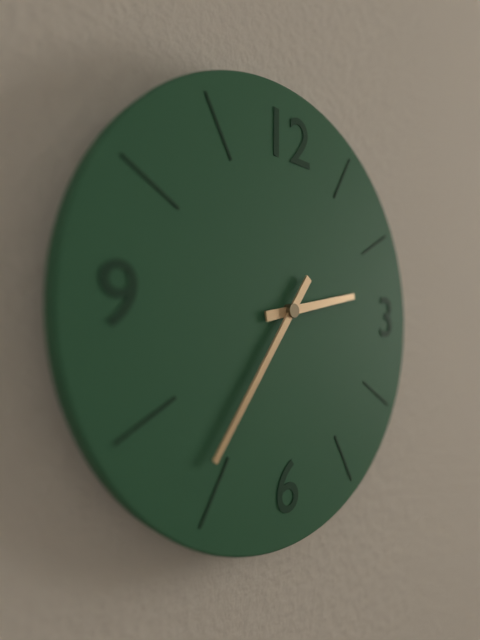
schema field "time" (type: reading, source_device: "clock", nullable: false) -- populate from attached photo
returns 2:36
